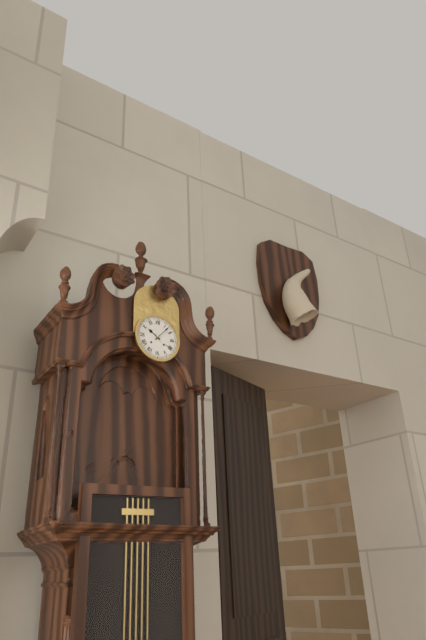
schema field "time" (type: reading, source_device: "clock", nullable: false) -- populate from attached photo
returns 10:07
